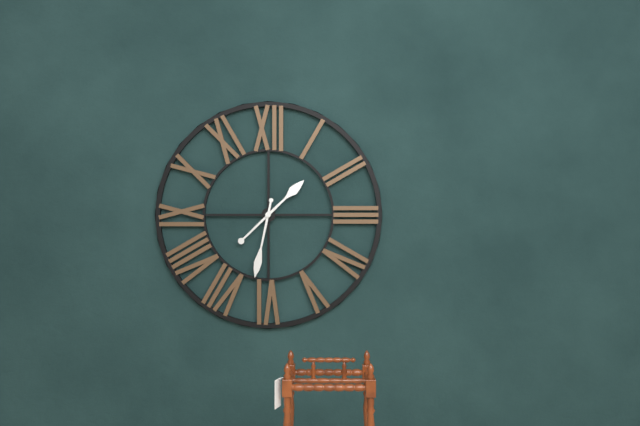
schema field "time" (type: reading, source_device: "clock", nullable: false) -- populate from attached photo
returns 1:32
